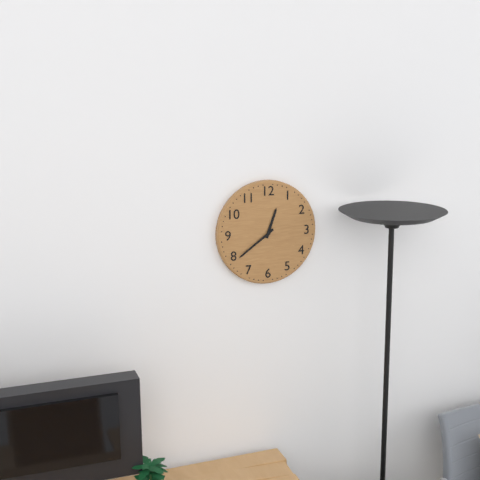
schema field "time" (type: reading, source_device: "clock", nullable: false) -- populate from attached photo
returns 12:39
